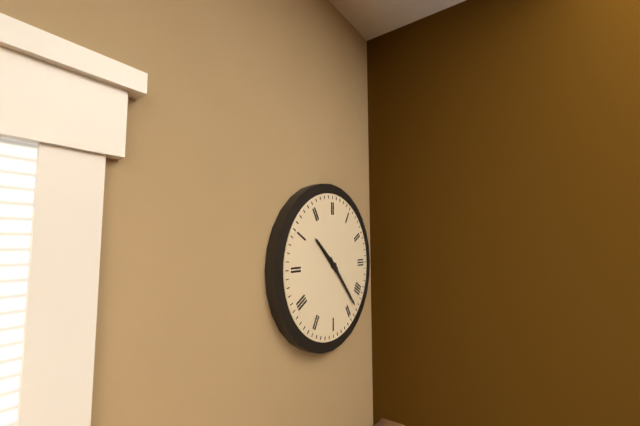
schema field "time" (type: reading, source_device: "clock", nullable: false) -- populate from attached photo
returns 10:23
